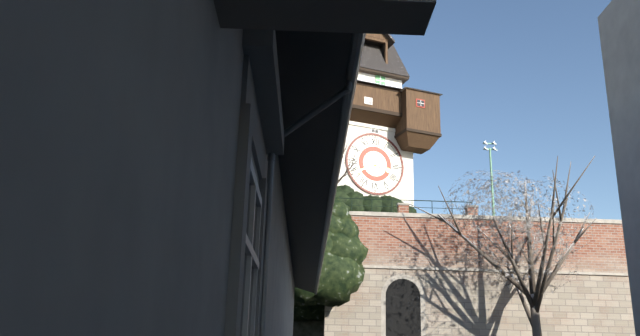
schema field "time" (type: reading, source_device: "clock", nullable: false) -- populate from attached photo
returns 3:40
